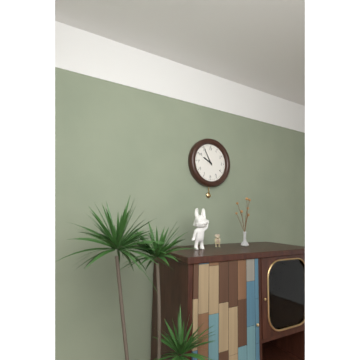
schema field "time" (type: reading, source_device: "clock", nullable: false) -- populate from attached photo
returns 9:55
